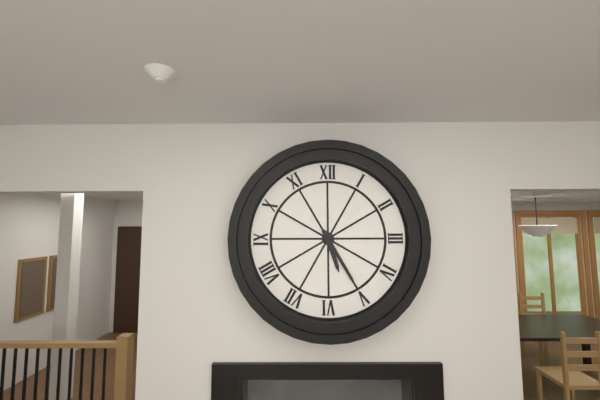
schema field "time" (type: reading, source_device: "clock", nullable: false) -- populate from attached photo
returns 5:25
